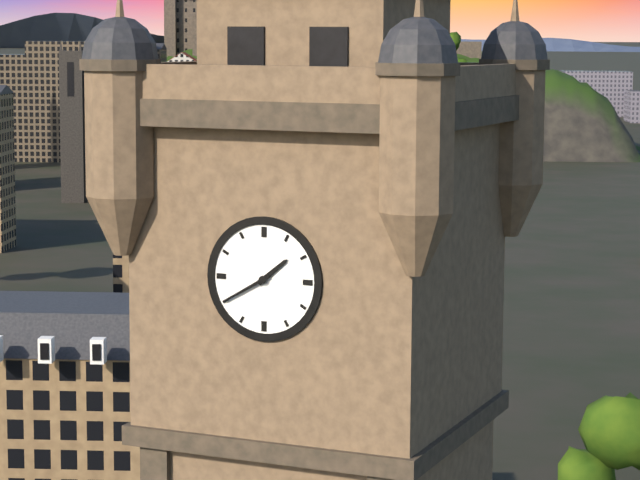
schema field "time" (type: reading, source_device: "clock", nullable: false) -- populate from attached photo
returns 1:40
